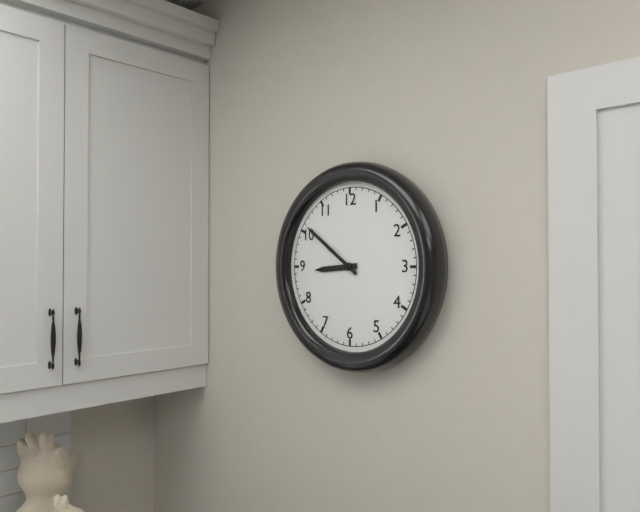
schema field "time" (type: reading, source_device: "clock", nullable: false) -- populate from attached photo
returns 8:51
